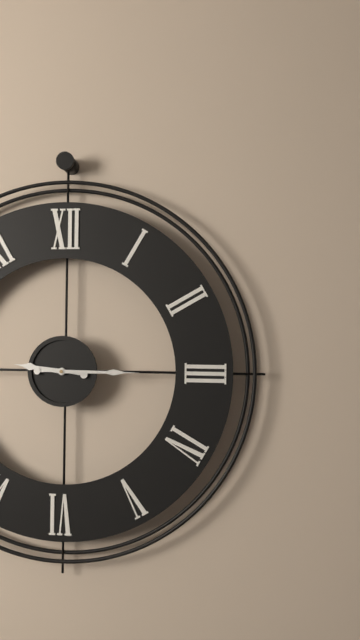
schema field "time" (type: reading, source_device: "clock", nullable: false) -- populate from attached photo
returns 9:15
